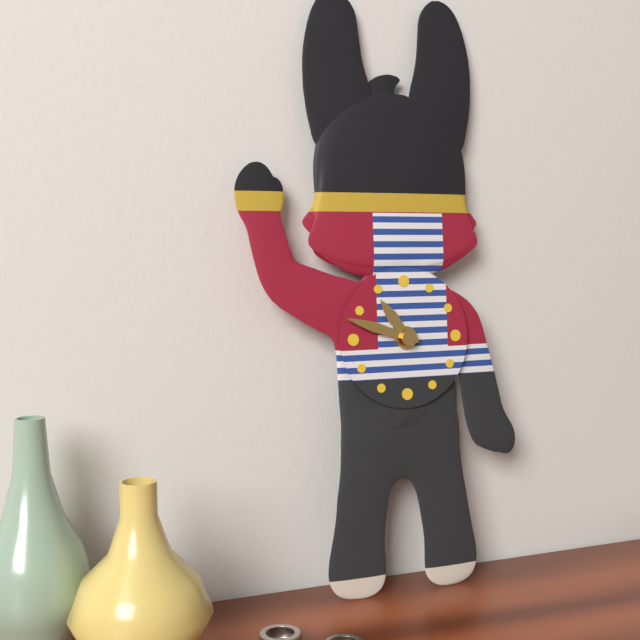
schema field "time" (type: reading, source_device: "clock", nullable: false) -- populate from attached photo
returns 10:48
